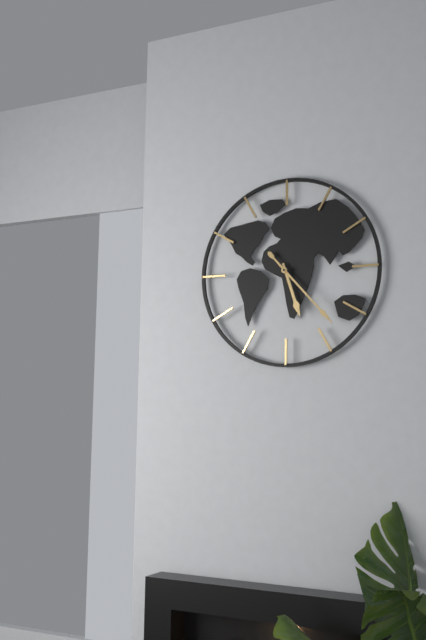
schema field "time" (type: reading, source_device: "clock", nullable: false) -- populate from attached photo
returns 5:23
